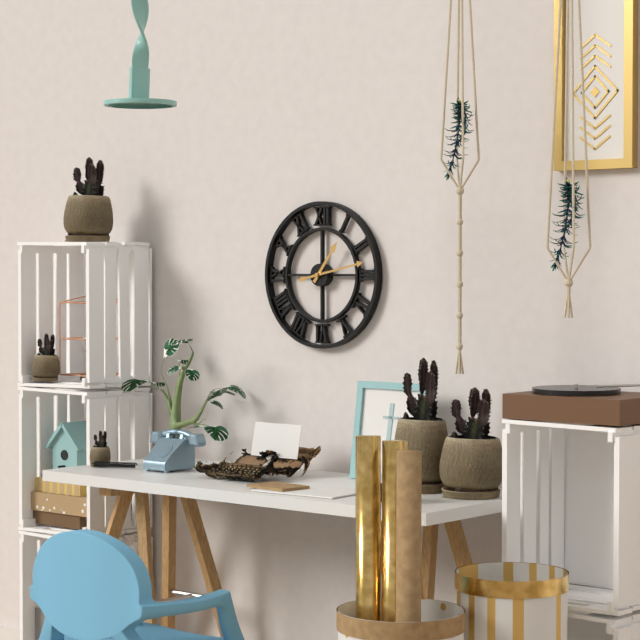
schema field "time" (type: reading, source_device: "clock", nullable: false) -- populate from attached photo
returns 1:13
